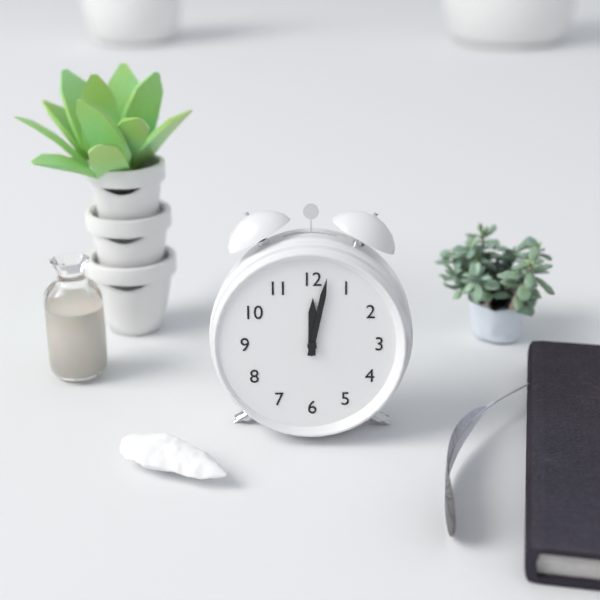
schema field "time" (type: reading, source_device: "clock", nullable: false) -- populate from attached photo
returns 12:02
